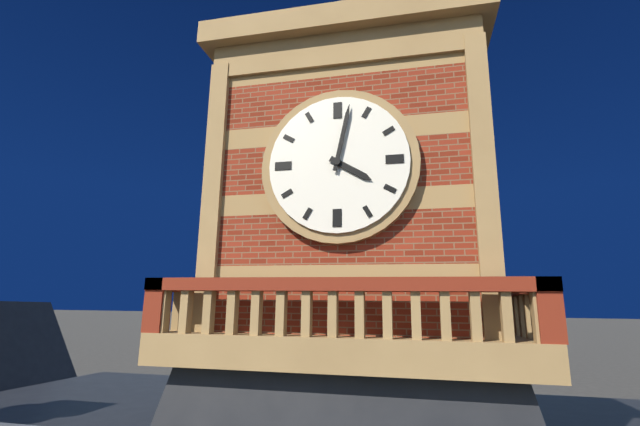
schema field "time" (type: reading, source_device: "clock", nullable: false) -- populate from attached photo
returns 4:02
